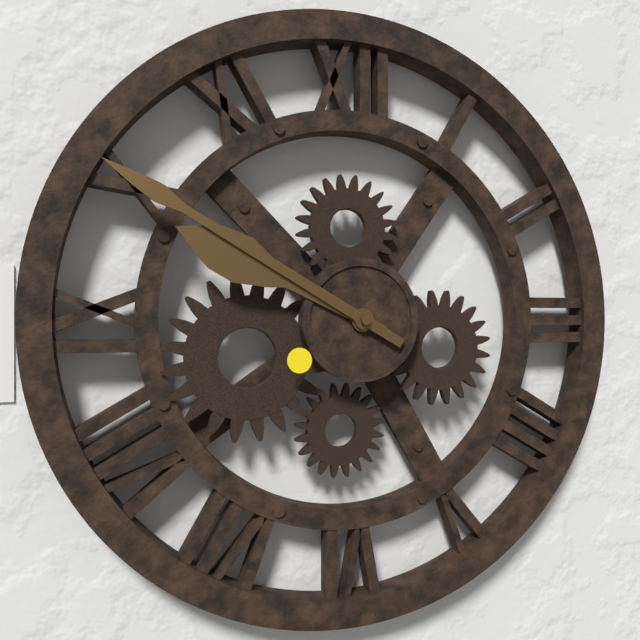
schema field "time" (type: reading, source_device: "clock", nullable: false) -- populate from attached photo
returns 9:50
